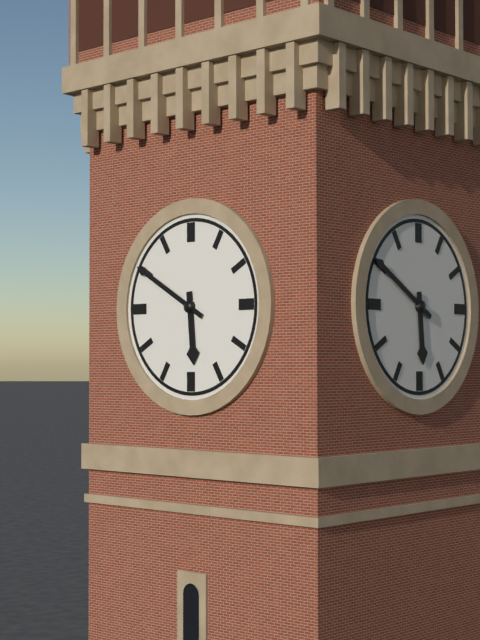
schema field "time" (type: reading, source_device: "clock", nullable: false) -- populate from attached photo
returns 5:50
